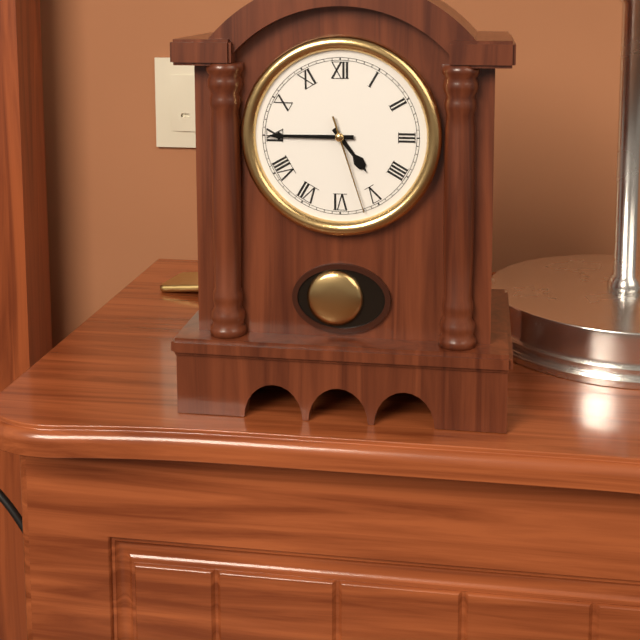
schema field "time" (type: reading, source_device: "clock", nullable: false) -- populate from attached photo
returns 4:45:27
